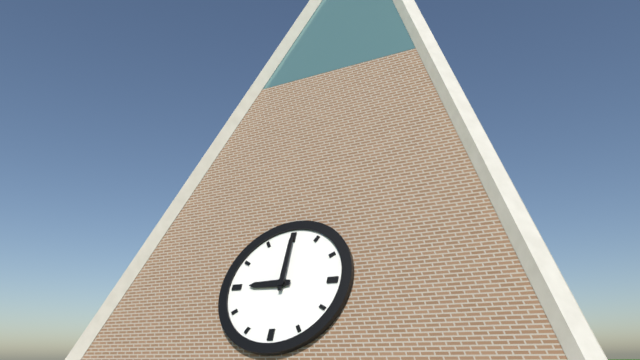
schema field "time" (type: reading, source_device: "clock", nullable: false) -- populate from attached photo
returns 9:00
